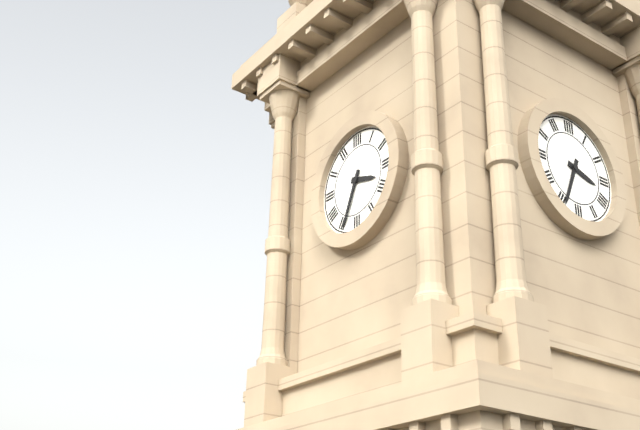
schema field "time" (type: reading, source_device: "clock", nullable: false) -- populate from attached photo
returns 3:34
